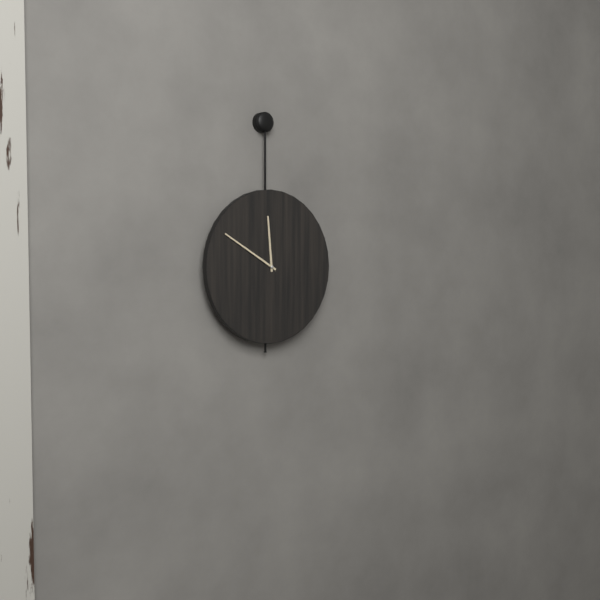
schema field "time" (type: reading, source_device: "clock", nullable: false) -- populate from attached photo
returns 11:50
